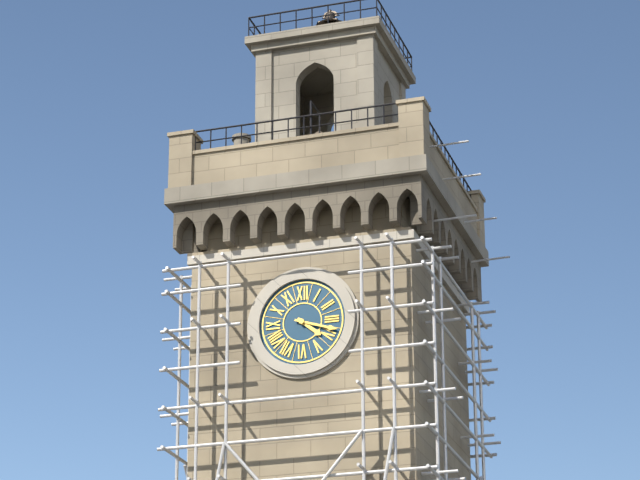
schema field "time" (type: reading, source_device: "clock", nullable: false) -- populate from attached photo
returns 4:18
